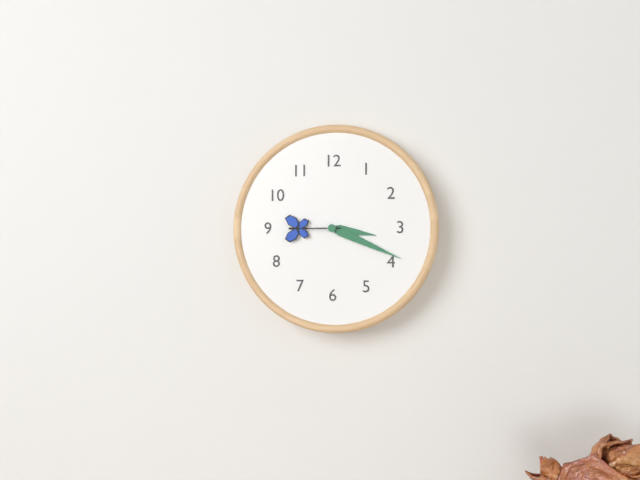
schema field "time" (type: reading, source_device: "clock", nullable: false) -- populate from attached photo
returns 3:19:45
